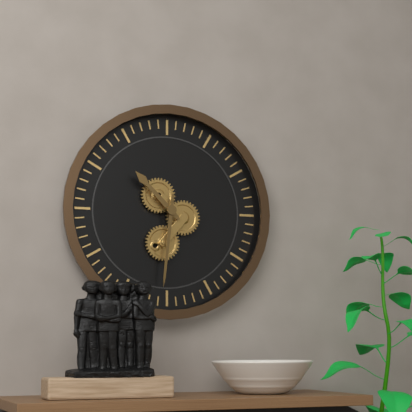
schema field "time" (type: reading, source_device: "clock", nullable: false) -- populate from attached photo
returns 10:31
